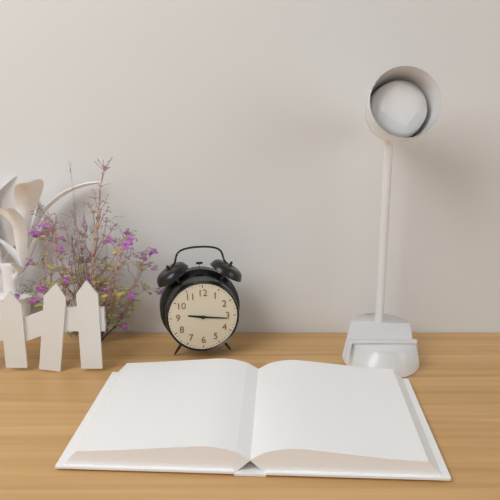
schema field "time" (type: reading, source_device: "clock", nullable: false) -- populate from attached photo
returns 9:16
